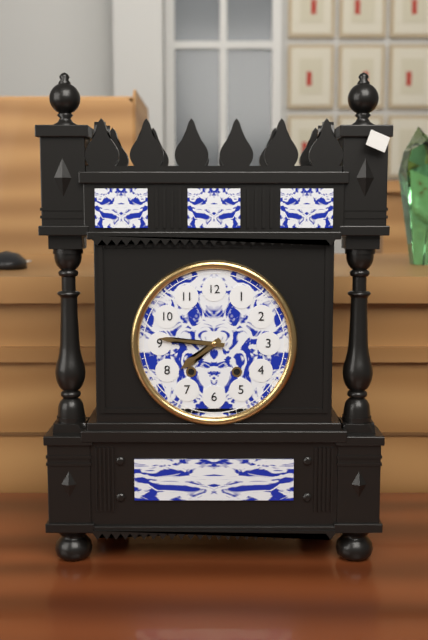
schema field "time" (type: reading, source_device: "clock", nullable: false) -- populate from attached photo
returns 7:46
